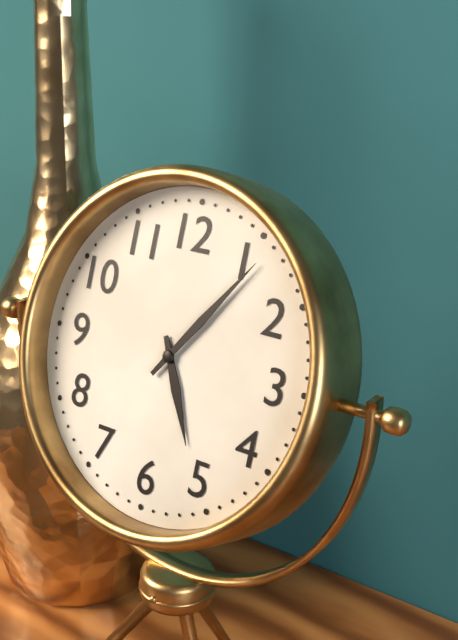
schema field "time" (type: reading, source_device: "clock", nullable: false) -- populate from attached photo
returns 5:06
